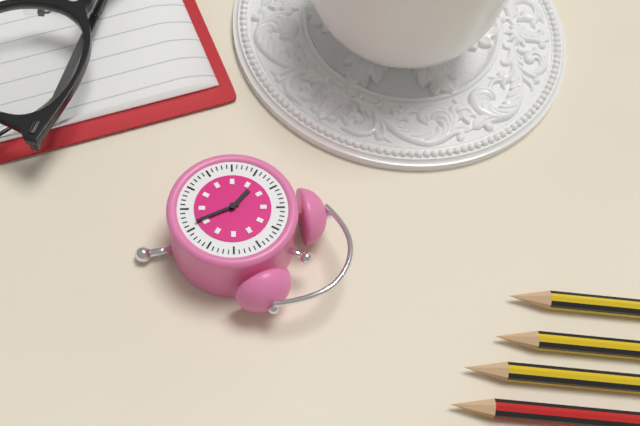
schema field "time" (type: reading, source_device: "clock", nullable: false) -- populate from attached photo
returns 9:21
